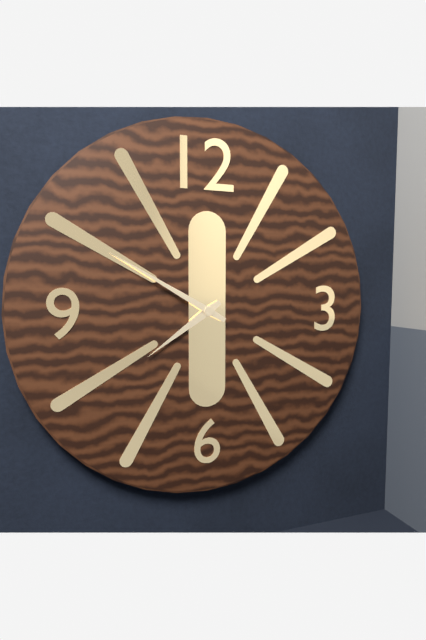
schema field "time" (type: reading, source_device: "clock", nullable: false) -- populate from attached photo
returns 7:50
